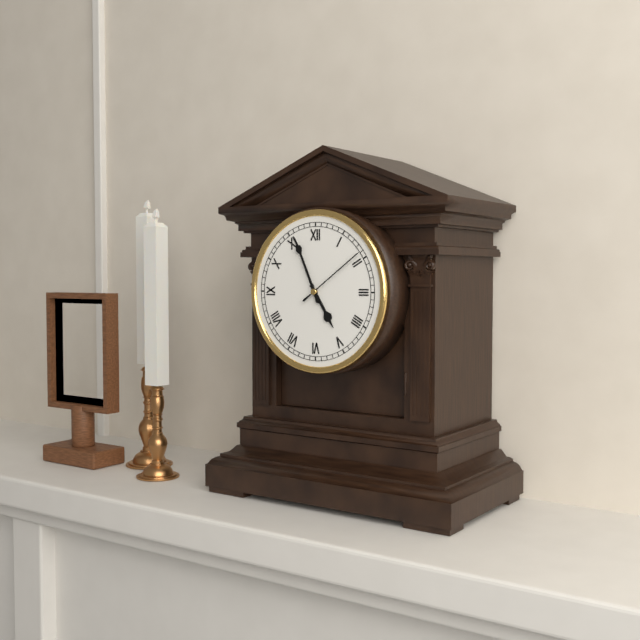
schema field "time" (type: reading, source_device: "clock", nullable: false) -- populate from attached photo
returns 4:56:09
